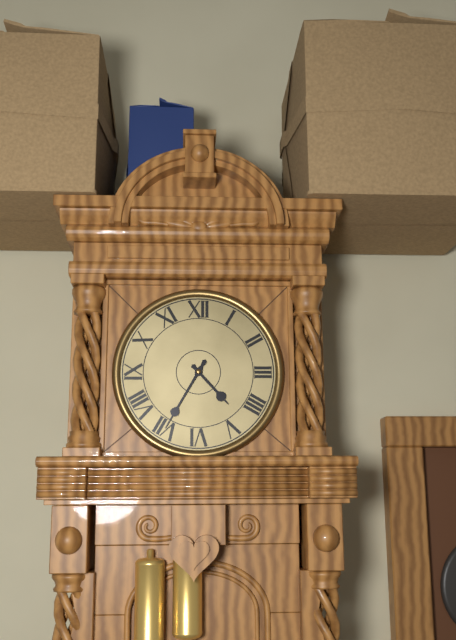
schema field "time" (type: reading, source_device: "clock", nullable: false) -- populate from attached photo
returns 4:35
